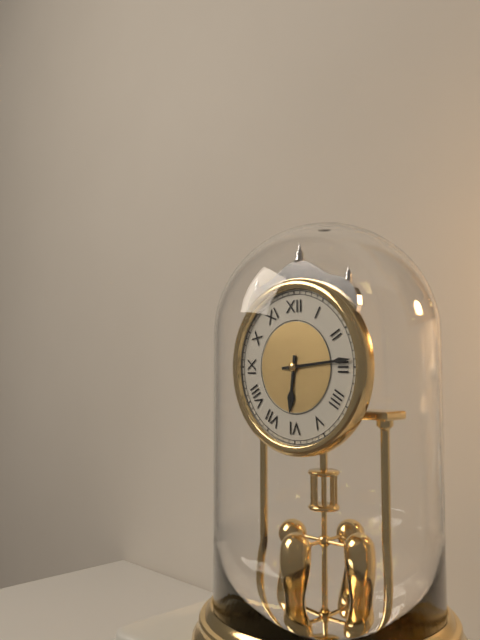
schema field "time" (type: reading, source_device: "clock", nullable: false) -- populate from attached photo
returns 6:14
